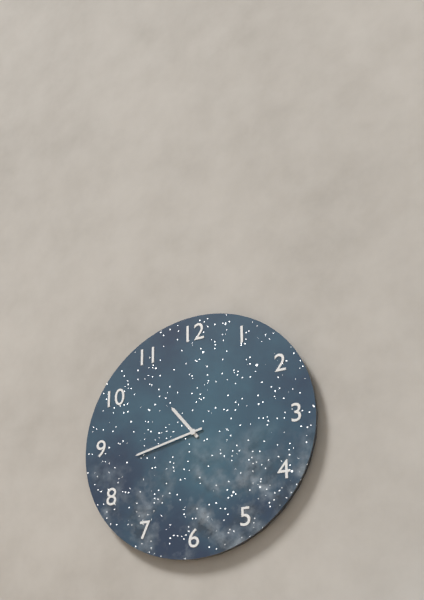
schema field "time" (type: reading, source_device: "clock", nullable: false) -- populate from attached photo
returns 10:43
